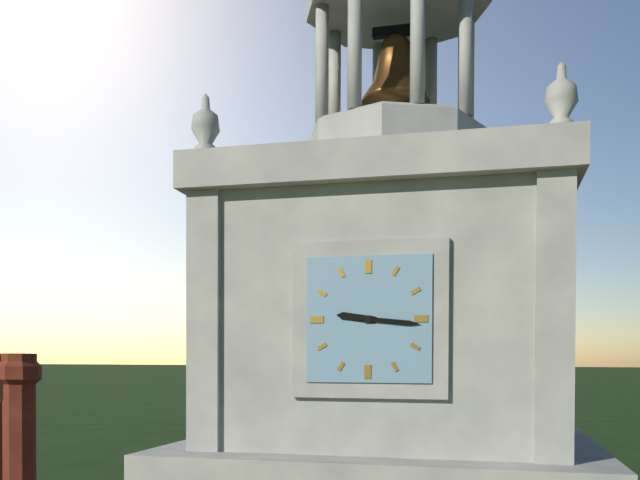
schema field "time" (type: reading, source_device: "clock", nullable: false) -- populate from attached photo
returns 9:16
